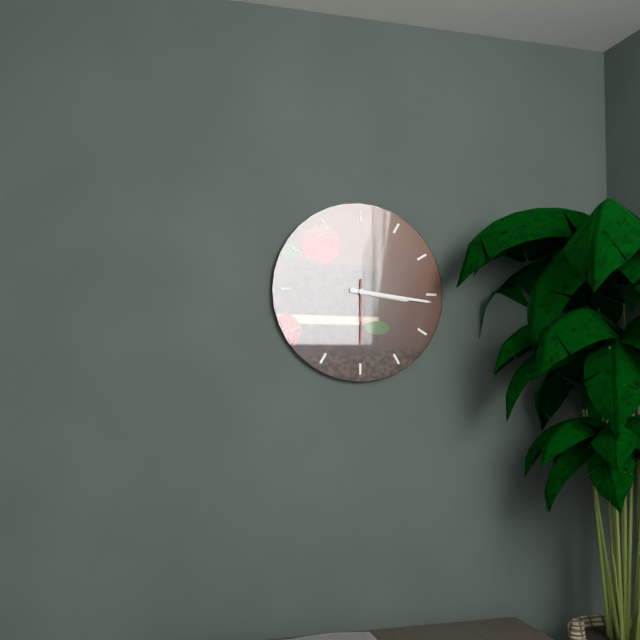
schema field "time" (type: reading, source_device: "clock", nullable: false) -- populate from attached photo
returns 3:16:30
